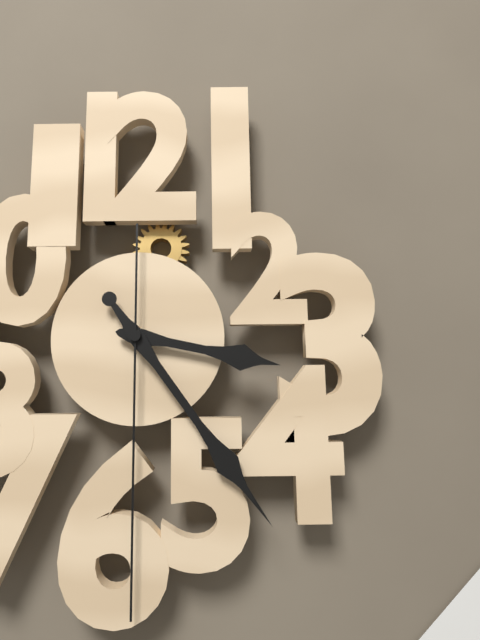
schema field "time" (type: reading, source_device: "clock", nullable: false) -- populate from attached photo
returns 3:24:30
